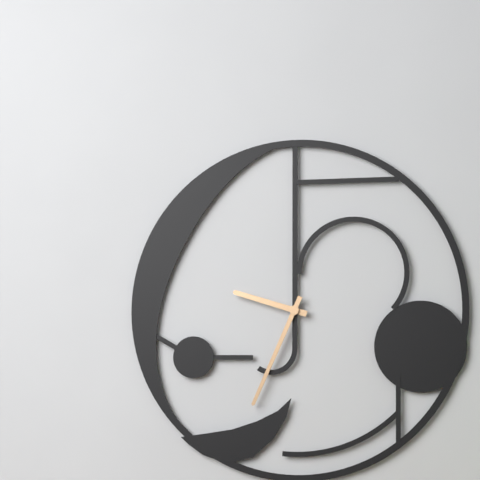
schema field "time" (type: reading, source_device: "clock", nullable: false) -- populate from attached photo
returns 9:34
